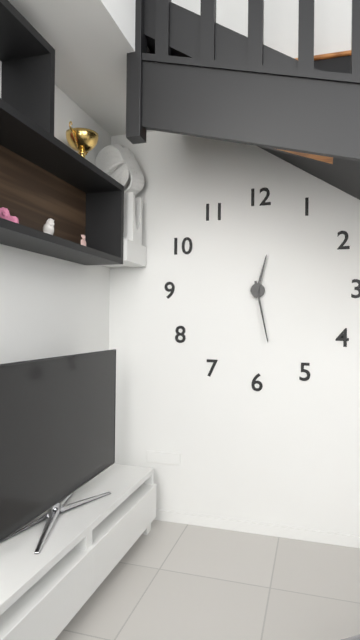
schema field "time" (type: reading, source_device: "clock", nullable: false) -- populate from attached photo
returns 12:28
